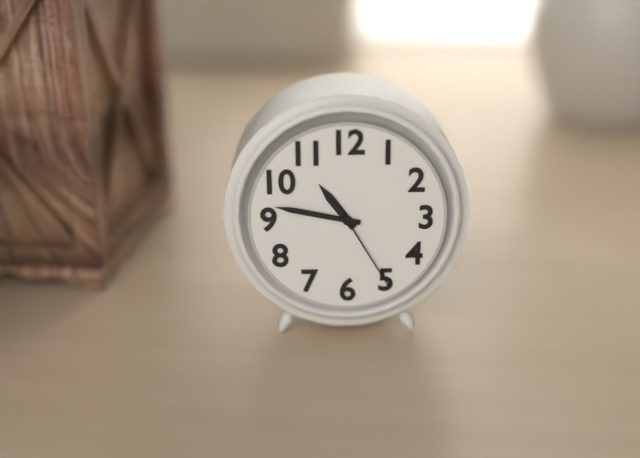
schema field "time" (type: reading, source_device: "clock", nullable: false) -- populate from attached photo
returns 10:47:25
